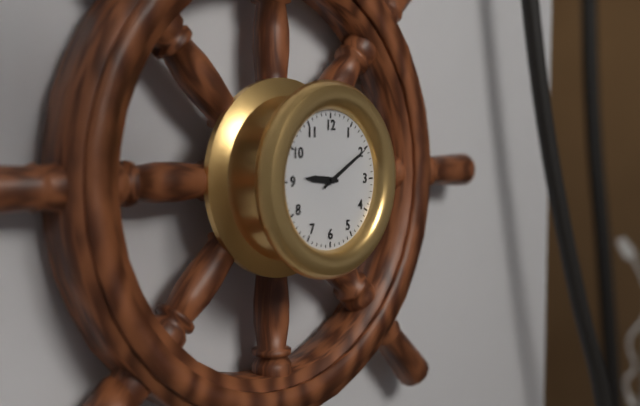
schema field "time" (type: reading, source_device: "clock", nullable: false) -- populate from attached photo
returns 9:10
